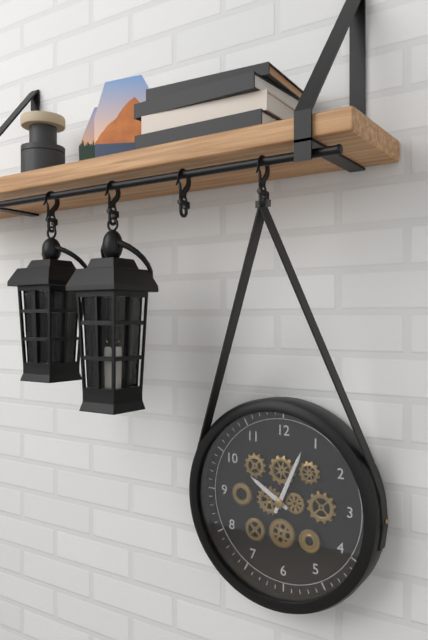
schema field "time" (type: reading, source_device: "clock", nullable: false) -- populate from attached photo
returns 10:04
